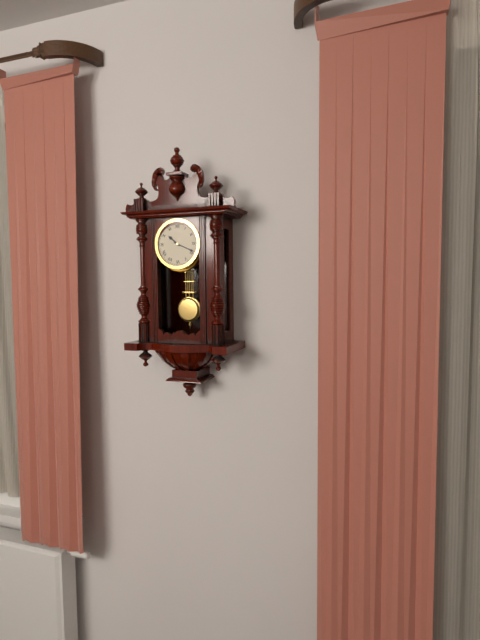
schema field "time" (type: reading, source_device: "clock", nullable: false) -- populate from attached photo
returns 10:19
